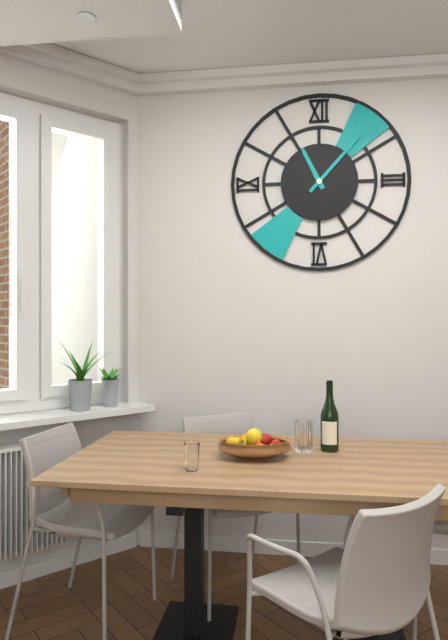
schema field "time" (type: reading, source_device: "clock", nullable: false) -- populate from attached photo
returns 11:07
